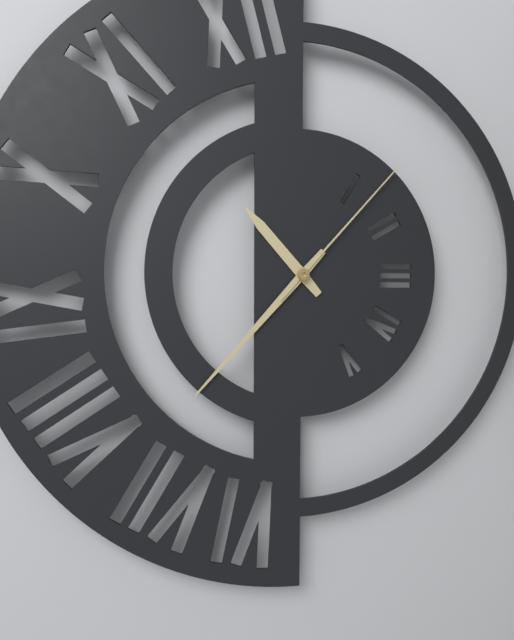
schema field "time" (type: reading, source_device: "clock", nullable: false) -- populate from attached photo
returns 10:37:07
